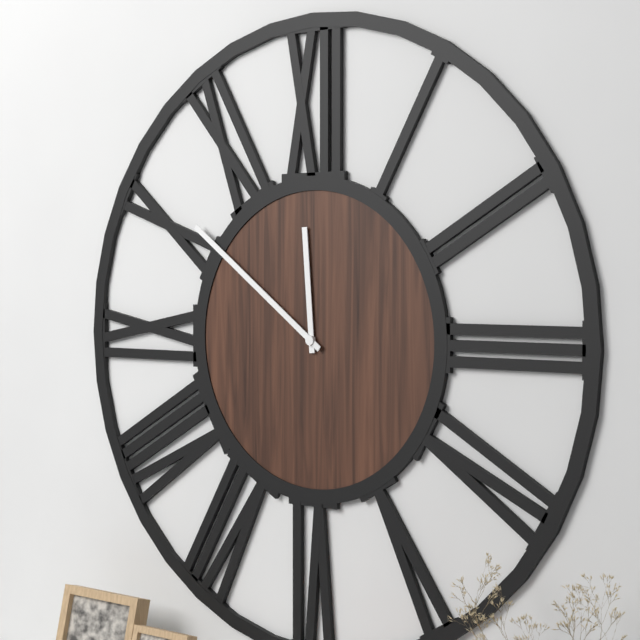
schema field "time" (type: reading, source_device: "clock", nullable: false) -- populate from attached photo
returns 11:51
